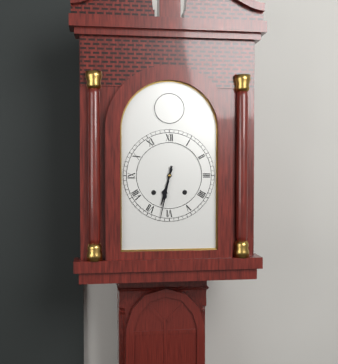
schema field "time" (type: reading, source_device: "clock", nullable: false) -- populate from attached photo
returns 6:32
